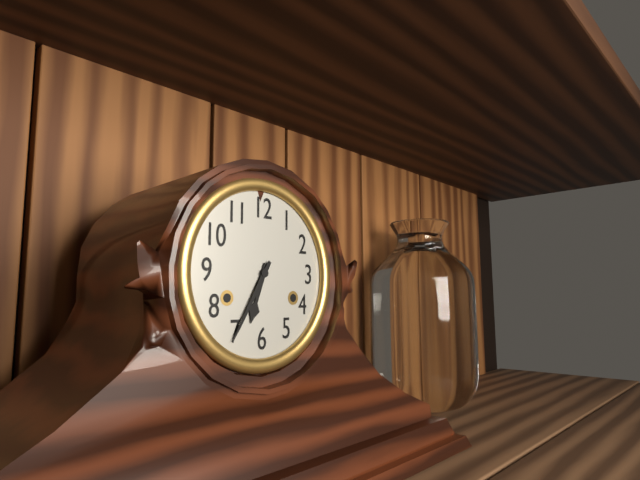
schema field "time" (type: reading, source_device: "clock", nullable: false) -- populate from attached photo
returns 6:35
